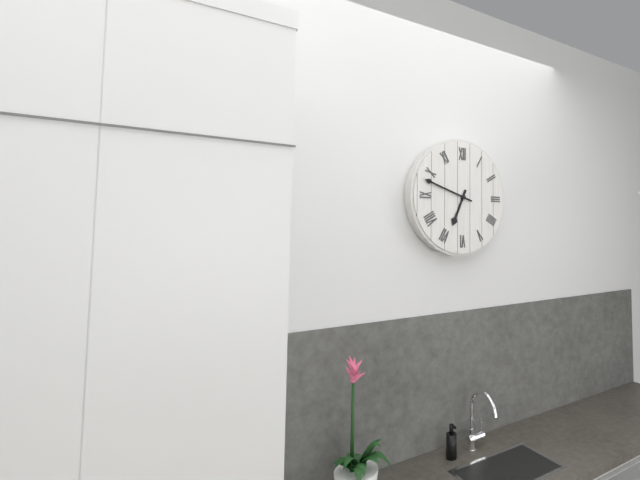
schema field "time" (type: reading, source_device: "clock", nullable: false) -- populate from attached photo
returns 6:48
